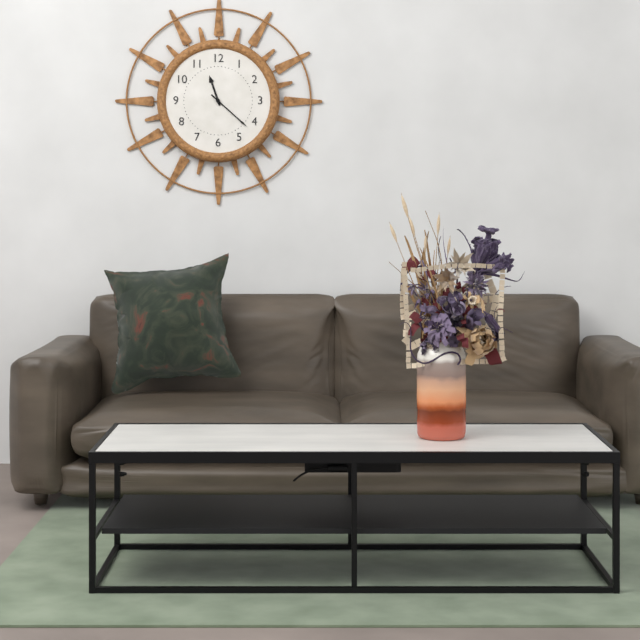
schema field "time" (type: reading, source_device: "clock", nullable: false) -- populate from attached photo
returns 11:22
